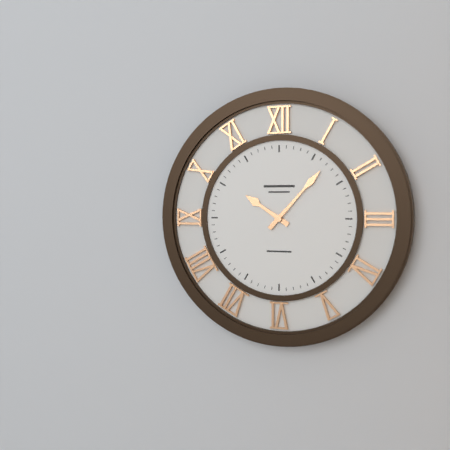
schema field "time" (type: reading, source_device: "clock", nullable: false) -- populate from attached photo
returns 10:07
